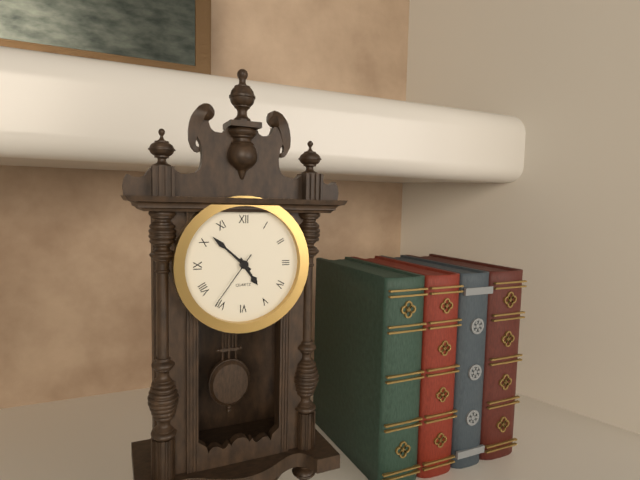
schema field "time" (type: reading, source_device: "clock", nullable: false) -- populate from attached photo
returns 4:52:36
